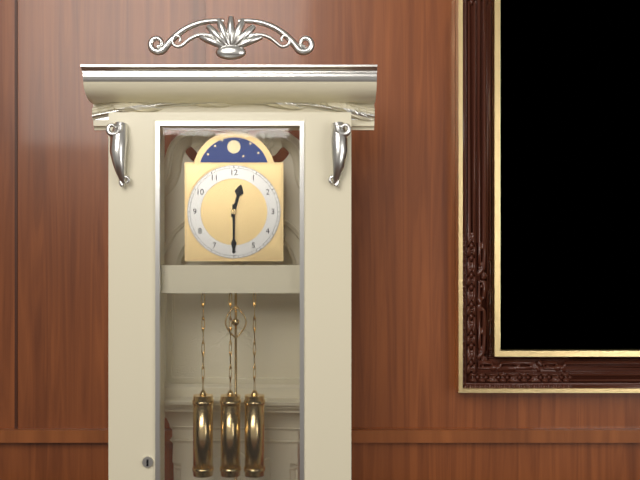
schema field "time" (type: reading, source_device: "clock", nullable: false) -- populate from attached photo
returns 12:30
